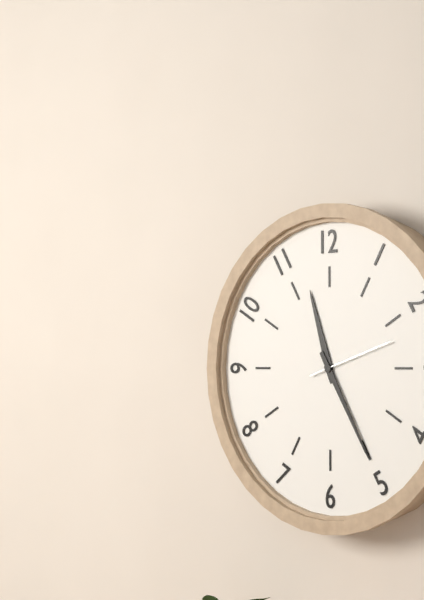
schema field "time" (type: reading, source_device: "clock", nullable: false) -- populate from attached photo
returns 11:25:12
